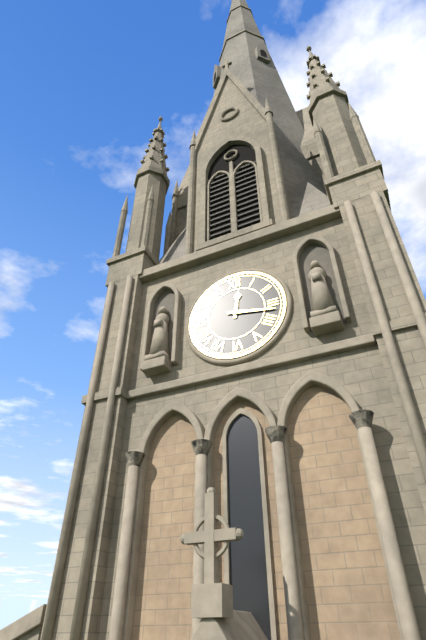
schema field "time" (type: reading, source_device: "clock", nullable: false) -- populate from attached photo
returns 12:17
